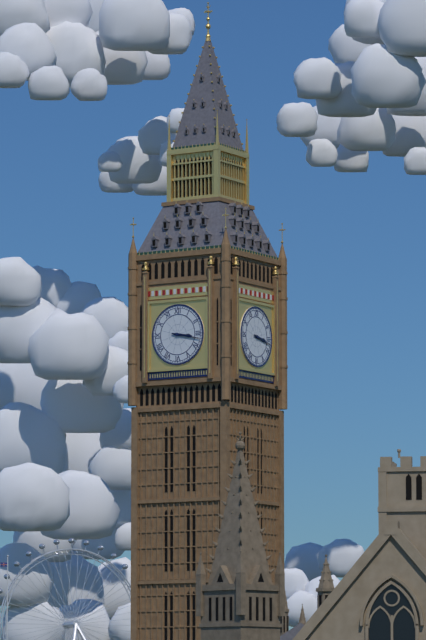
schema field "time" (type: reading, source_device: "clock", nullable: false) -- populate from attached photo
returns 3:17
